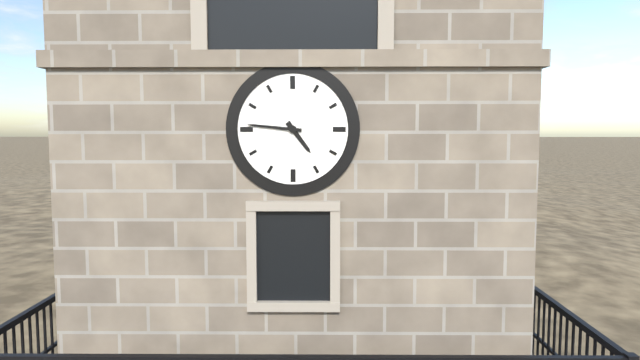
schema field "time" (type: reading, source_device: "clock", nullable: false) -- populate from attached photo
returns 4:46
